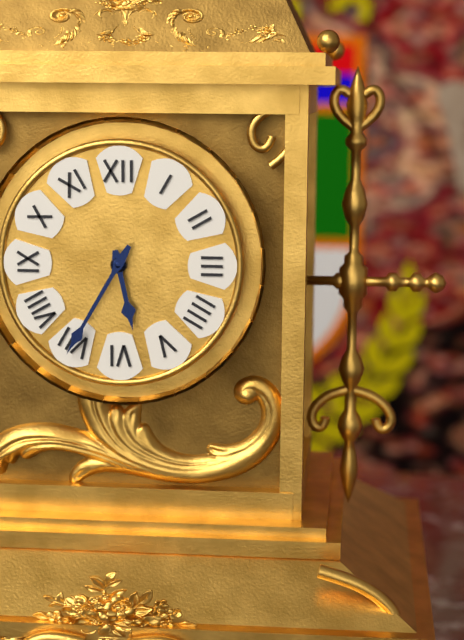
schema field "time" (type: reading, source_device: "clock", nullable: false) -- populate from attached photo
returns 5:35
